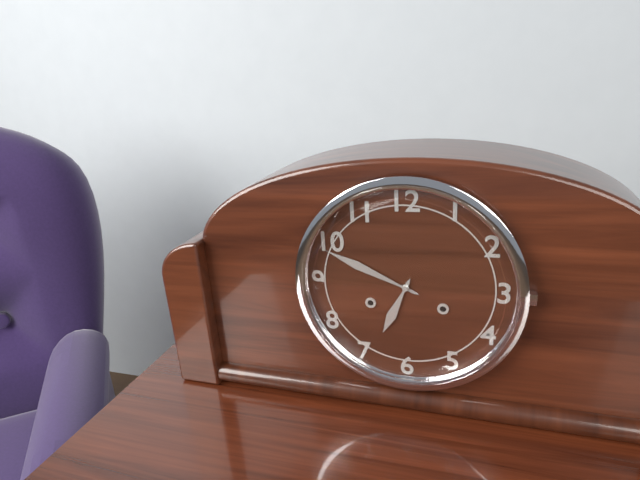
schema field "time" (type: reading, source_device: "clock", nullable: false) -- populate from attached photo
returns 6:49
